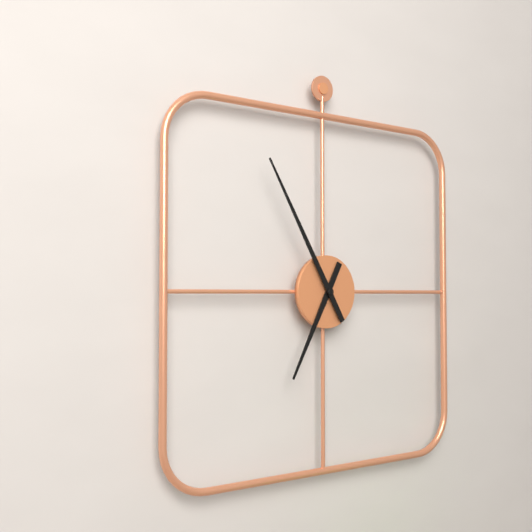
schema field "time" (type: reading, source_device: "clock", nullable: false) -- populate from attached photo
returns 6:55
